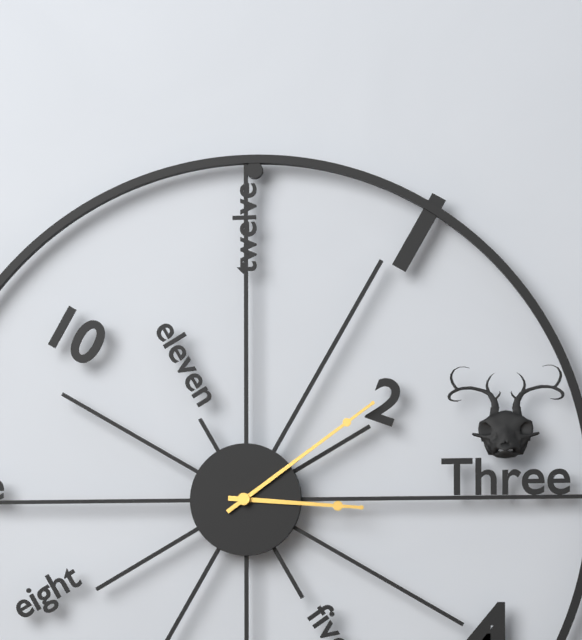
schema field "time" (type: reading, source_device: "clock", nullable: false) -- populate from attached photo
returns 3:09
